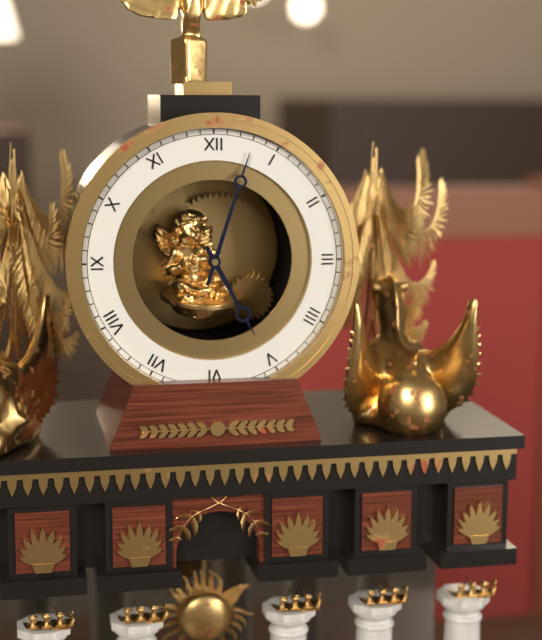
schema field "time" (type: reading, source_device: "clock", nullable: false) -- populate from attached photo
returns 5:03
